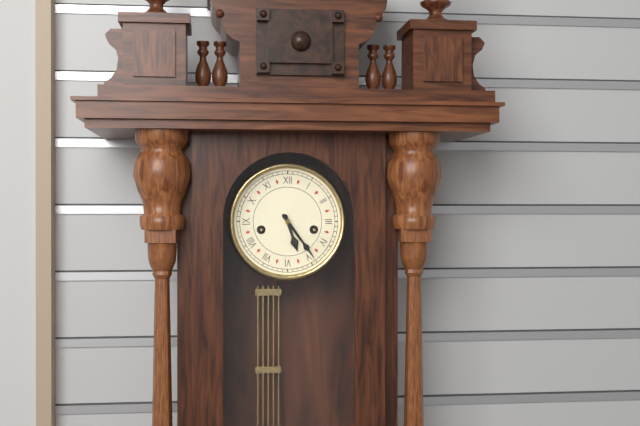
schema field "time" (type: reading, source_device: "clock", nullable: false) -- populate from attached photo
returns 5:24
